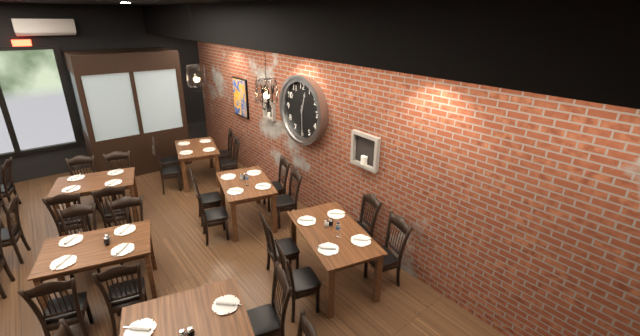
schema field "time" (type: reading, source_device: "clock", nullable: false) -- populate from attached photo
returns 12:30
